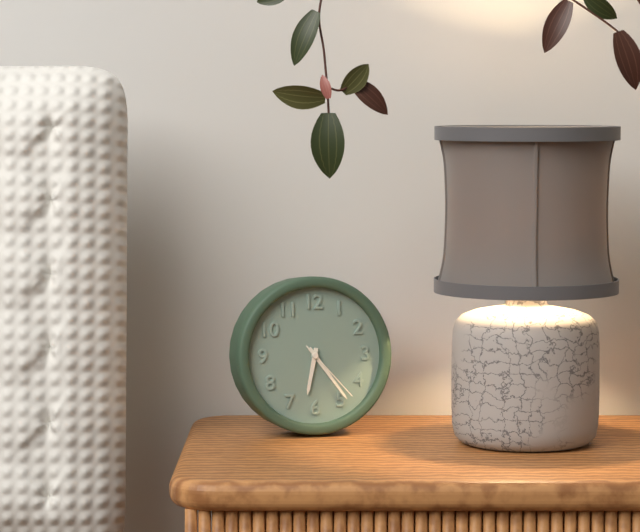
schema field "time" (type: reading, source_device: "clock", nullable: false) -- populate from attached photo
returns 6:24:23
